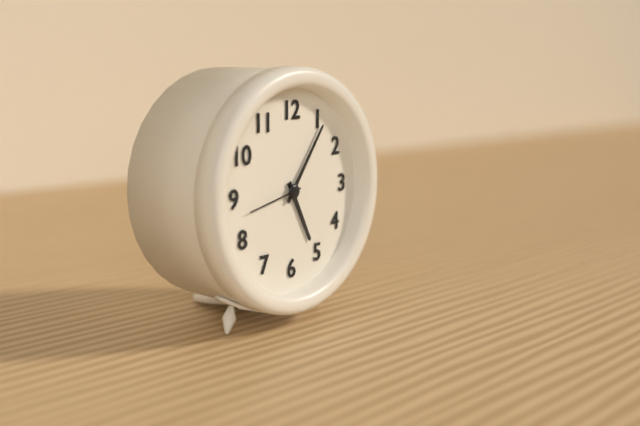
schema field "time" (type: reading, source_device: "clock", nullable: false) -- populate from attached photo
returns 5:06:43
